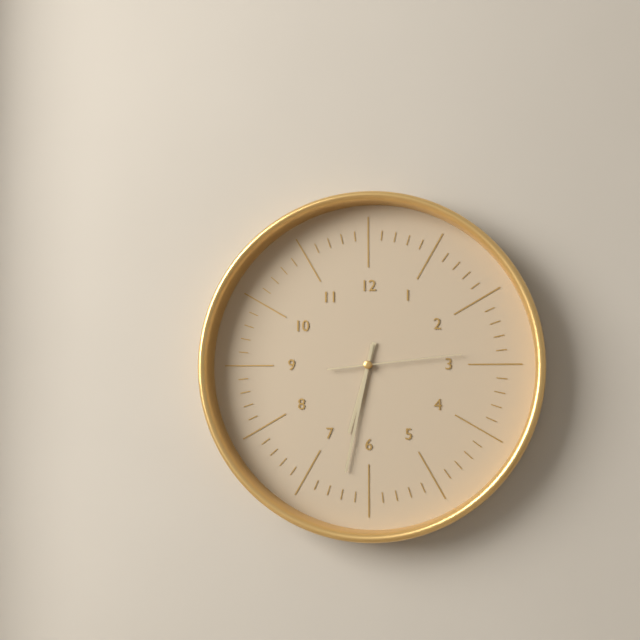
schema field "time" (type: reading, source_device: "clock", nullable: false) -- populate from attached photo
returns 6:32:14
